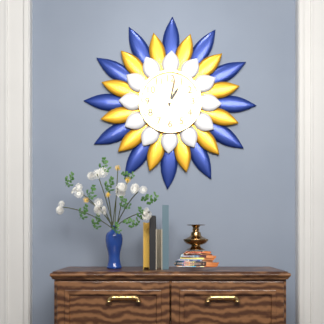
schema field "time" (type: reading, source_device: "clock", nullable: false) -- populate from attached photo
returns 1:02
